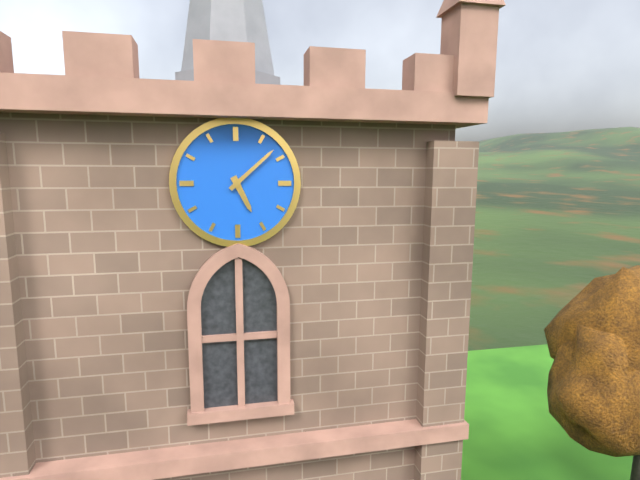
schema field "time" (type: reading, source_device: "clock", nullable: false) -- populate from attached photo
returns 5:08
